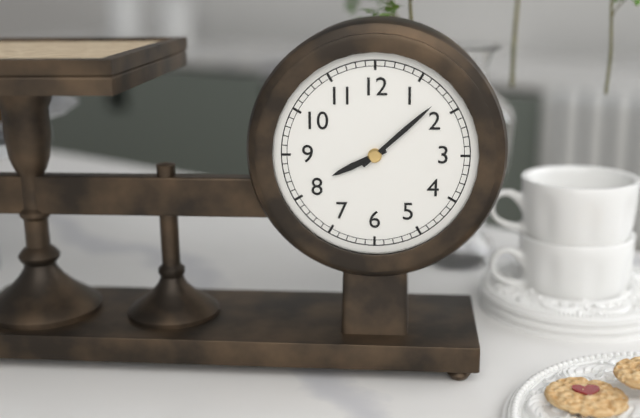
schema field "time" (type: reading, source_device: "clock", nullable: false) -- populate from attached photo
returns 8:08
